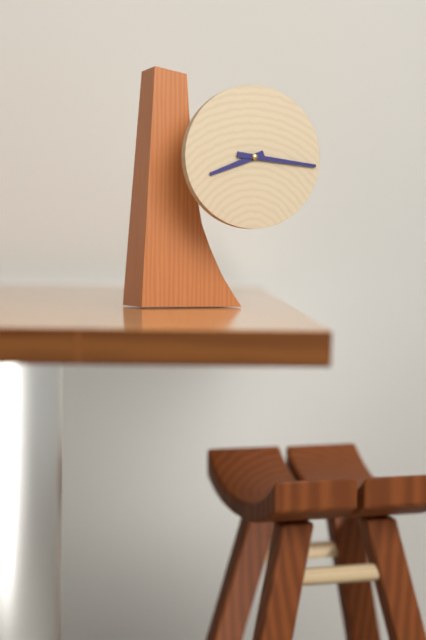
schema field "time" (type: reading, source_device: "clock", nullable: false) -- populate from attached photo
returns 8:16
